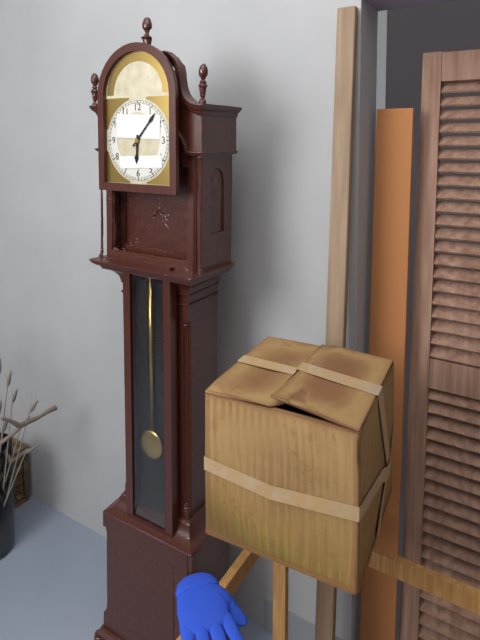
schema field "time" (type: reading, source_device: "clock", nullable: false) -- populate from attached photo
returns 6:07
